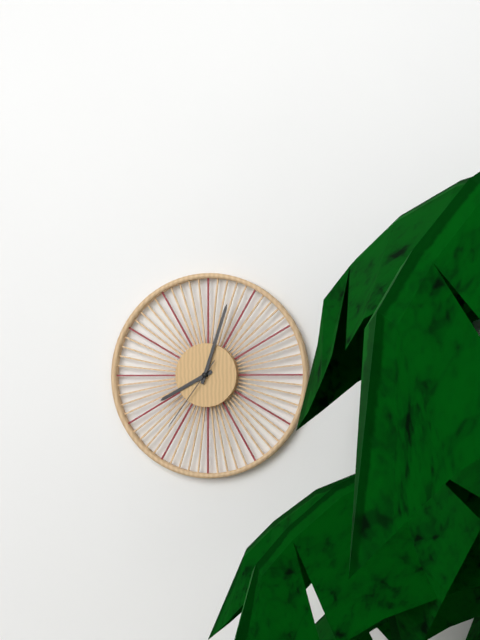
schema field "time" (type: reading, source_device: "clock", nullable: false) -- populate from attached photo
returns 8:03:36
